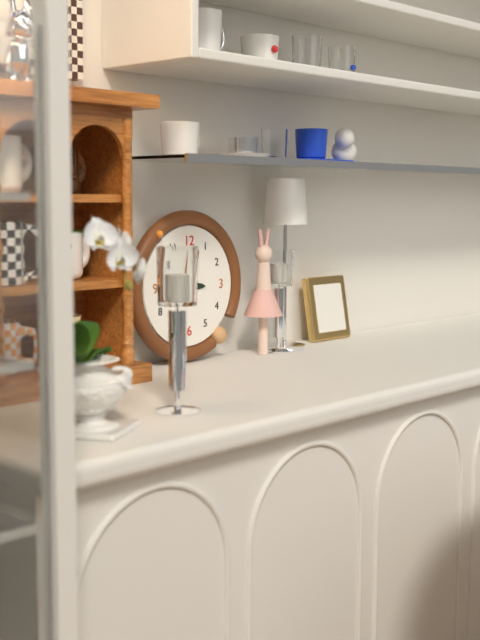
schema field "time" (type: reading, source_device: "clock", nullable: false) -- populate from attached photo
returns 3:03
